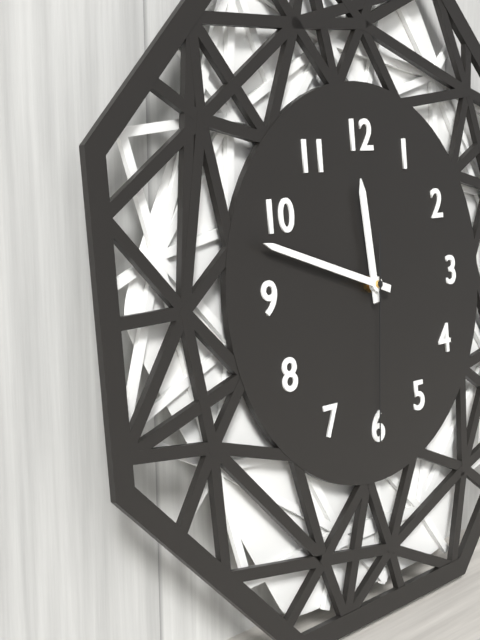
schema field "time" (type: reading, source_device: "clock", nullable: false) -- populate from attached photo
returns 11:48:31
